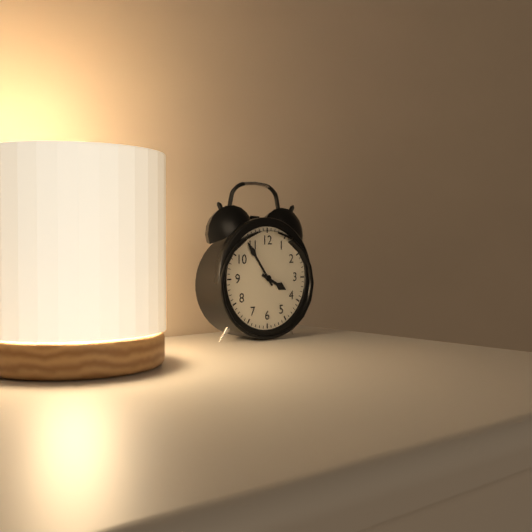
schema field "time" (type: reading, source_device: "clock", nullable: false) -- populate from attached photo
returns 3:54
